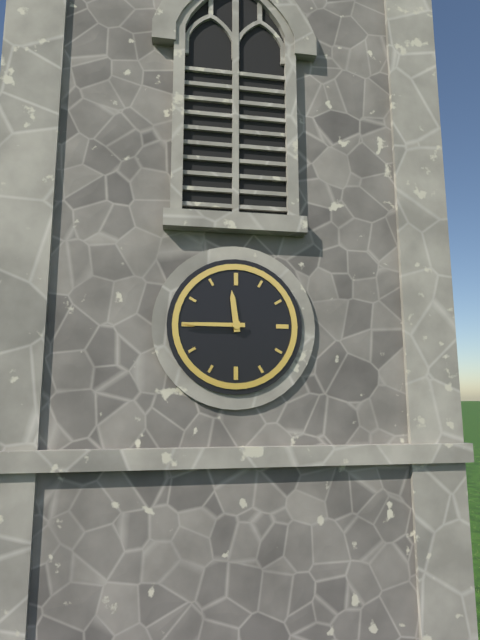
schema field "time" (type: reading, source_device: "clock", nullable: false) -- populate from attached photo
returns 11:45
